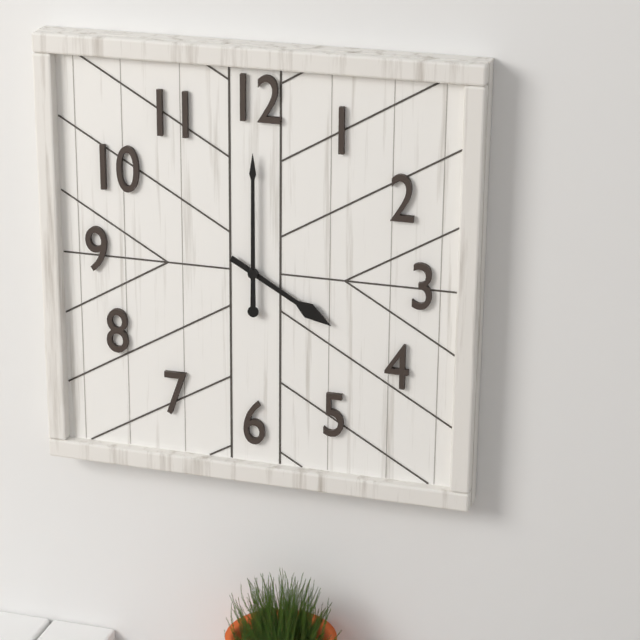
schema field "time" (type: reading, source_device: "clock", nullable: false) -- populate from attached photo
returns 4:00
